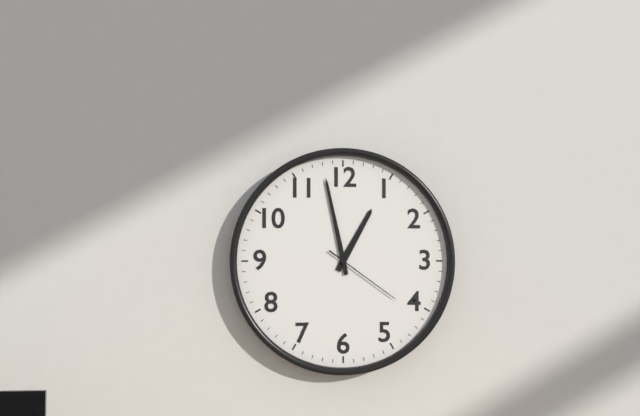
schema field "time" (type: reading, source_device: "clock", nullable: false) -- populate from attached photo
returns 12:58:21
